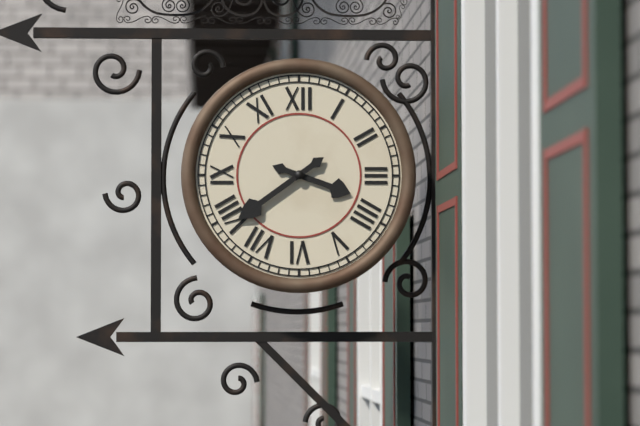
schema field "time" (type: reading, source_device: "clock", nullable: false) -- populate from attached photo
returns 3:39
